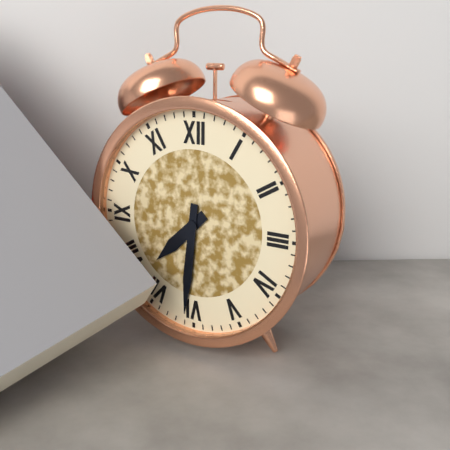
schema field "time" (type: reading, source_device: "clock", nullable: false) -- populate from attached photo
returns 7:31
